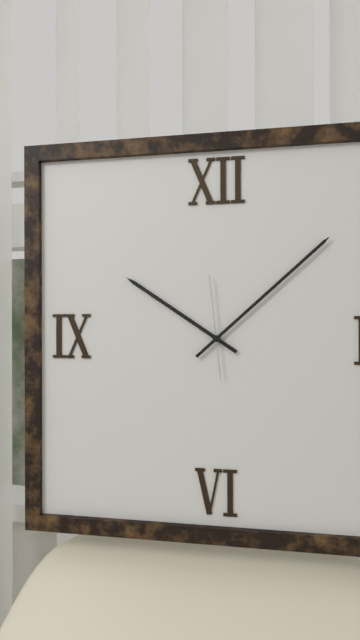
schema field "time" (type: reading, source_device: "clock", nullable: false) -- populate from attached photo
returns 10:08:59
